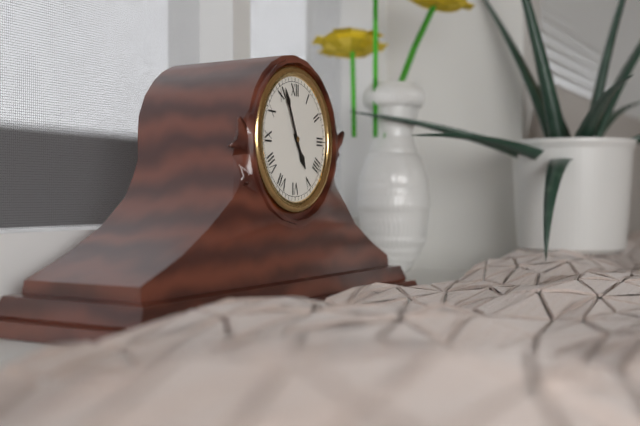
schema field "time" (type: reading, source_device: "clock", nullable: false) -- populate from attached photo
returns 4:56
